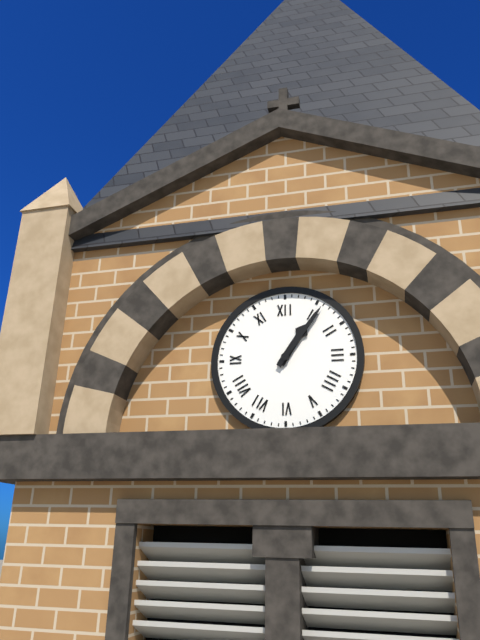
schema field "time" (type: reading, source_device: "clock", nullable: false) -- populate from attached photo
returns 1:06
